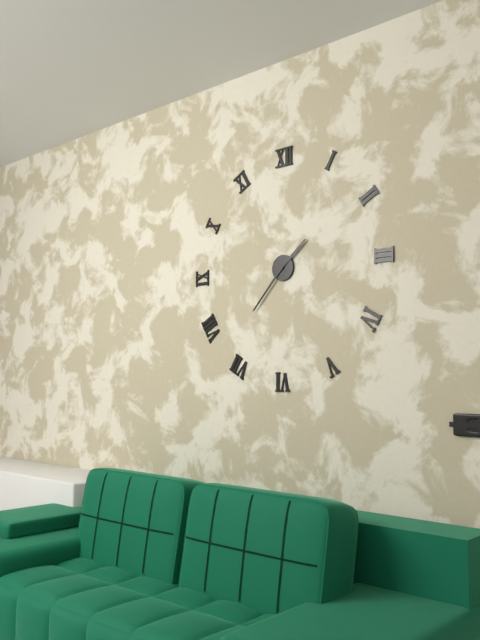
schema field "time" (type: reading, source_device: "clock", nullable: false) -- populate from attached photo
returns 1:37
